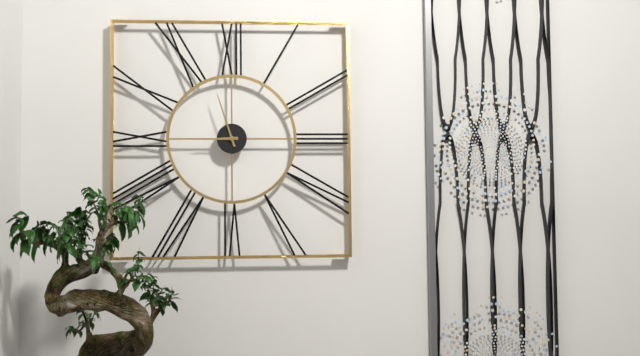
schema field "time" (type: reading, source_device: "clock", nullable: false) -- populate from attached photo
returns 8:57
